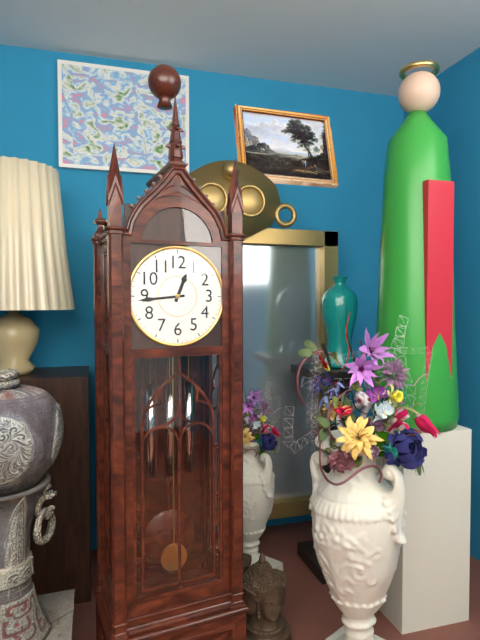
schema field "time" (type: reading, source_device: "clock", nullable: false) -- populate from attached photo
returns 12:44
